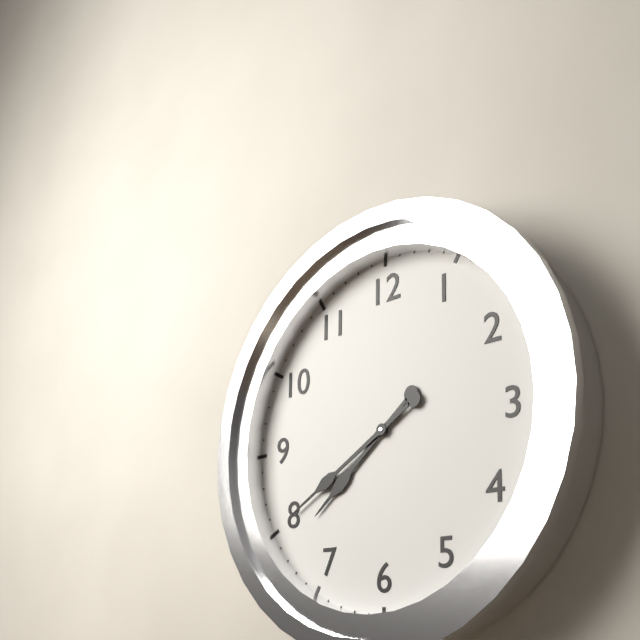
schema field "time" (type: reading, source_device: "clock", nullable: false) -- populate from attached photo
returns 7:40
